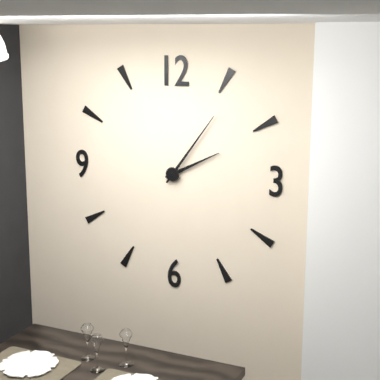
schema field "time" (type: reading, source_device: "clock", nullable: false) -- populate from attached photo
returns 2:06
